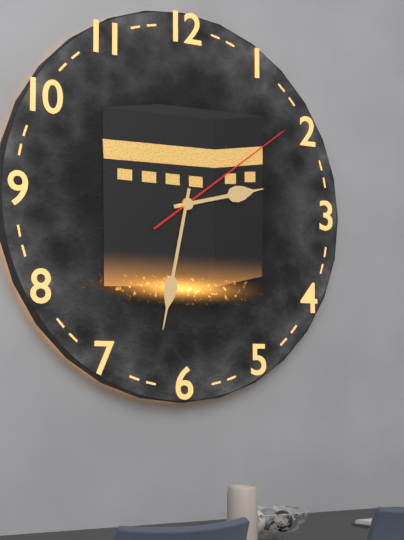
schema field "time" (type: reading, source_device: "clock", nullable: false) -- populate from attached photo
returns 2:32:09
